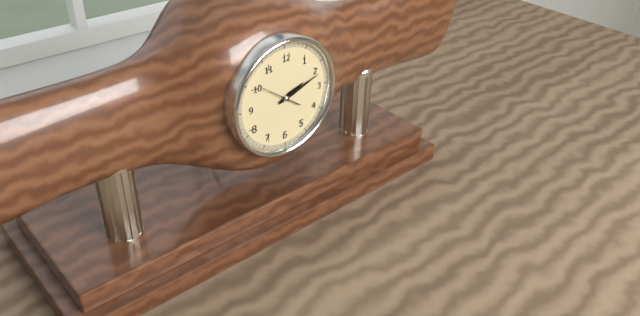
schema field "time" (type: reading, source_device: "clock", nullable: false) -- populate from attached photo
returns 2:12
